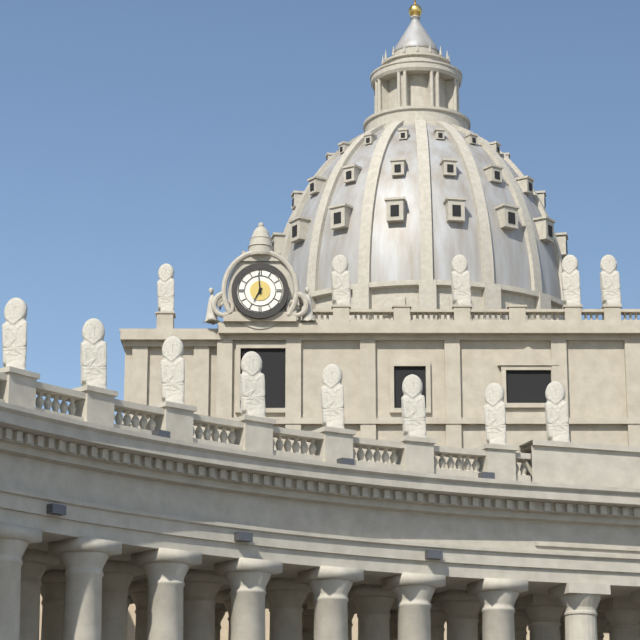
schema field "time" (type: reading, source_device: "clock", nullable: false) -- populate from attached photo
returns 6:59
